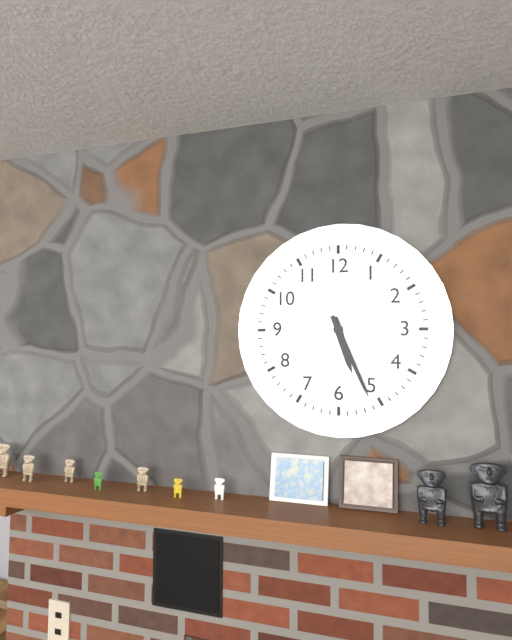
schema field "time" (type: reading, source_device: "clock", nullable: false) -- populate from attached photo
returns 5:26
